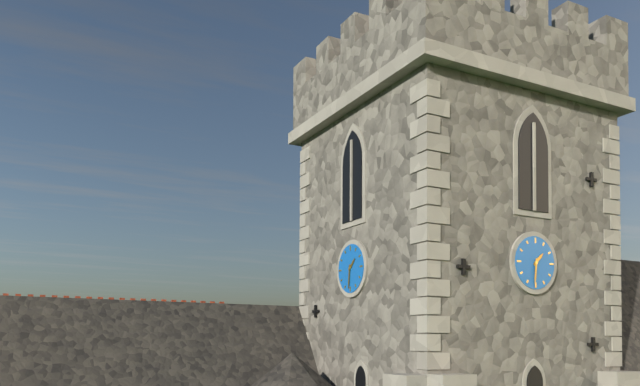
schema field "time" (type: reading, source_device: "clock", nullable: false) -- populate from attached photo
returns 1:31
